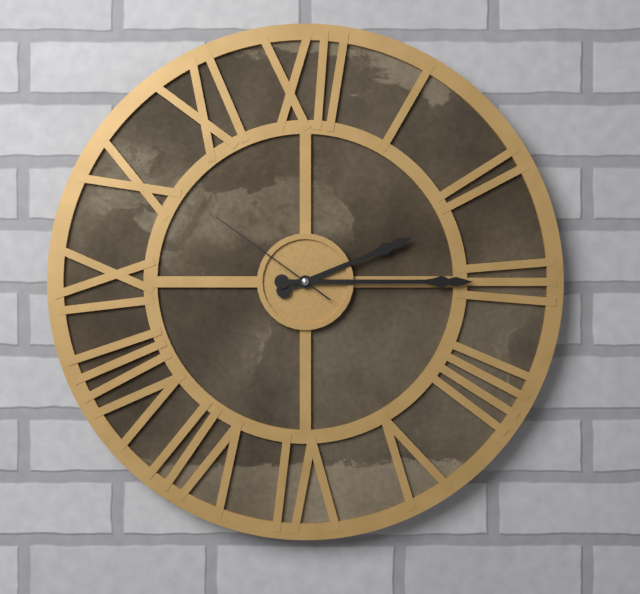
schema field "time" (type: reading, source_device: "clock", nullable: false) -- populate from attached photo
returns 2:15:51
